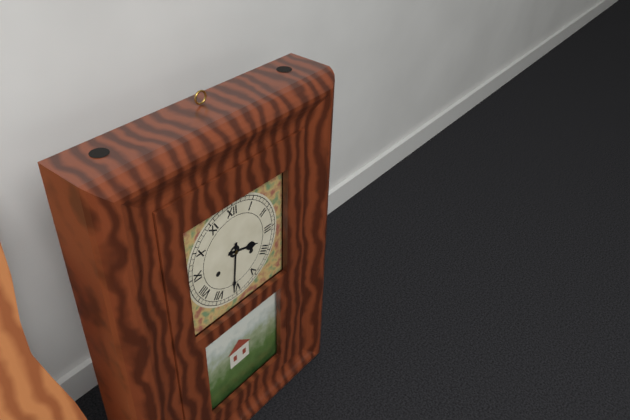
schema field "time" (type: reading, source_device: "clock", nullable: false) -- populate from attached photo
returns 3:31
